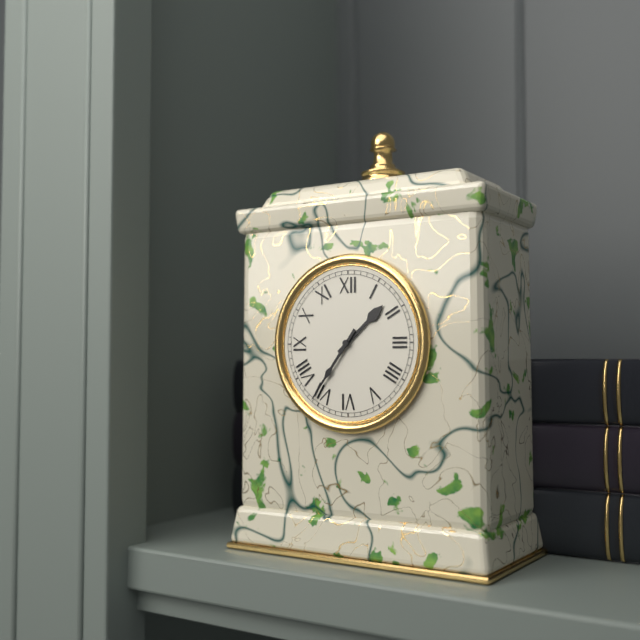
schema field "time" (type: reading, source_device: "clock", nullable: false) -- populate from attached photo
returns 1:36
